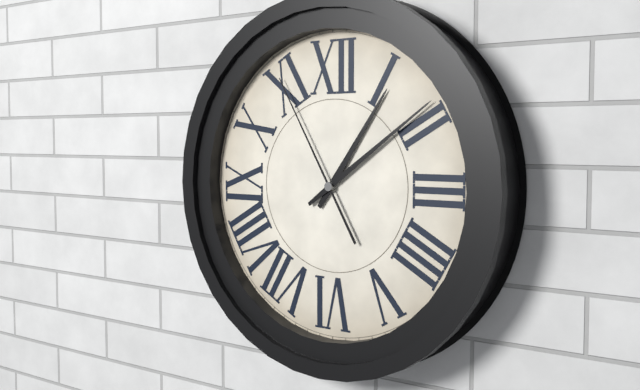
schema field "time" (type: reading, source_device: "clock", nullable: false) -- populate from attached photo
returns 1:09:55
